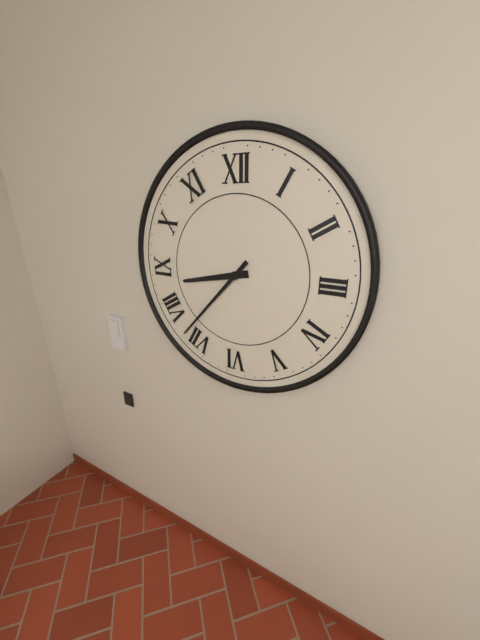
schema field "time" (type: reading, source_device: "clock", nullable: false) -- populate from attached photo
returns 8:37
